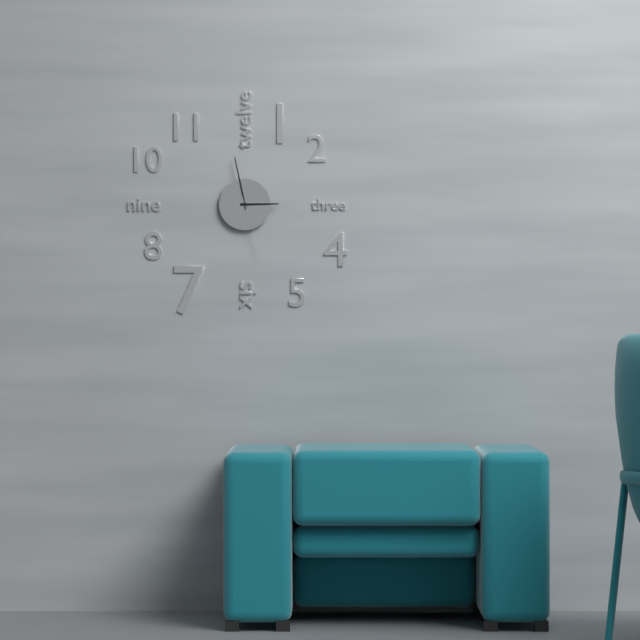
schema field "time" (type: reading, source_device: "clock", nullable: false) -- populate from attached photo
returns 2:58:27
